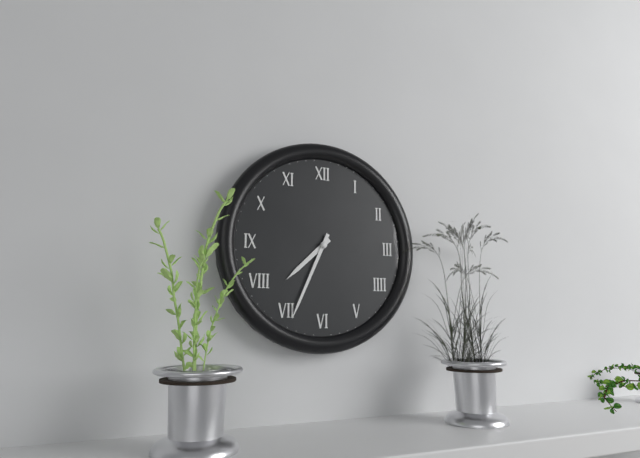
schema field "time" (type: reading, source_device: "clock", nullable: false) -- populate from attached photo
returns 7:34
